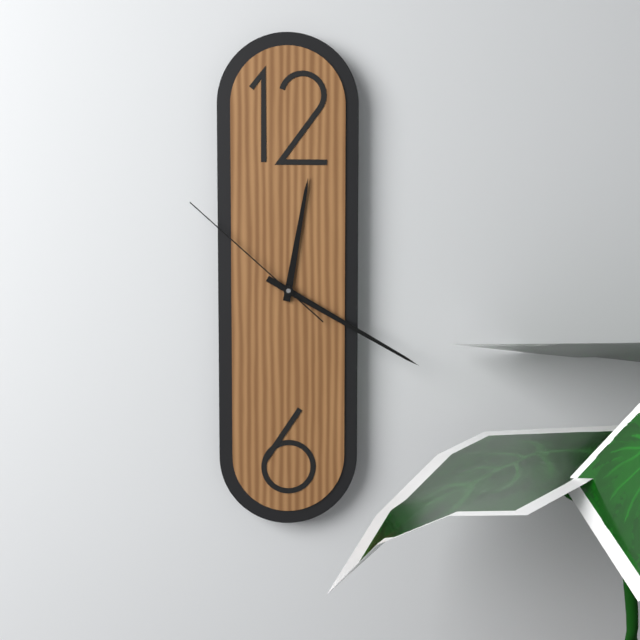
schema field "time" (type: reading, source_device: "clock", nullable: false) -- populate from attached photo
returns 12:20:52
